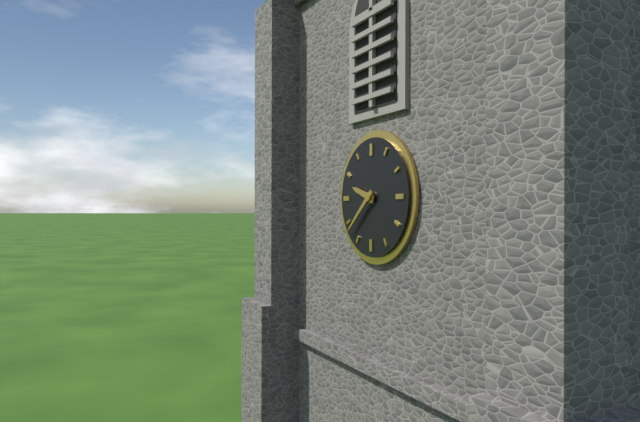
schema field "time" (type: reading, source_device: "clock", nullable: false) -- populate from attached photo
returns 9:38
